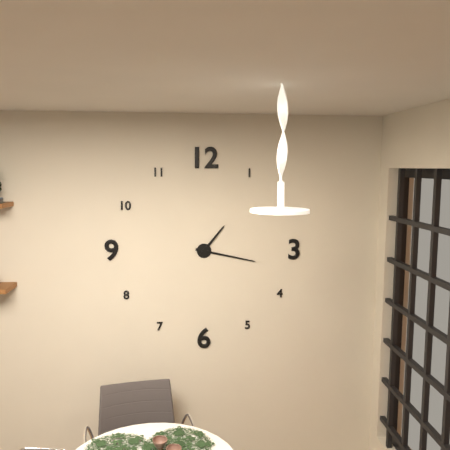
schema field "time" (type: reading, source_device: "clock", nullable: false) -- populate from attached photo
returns 1:17
